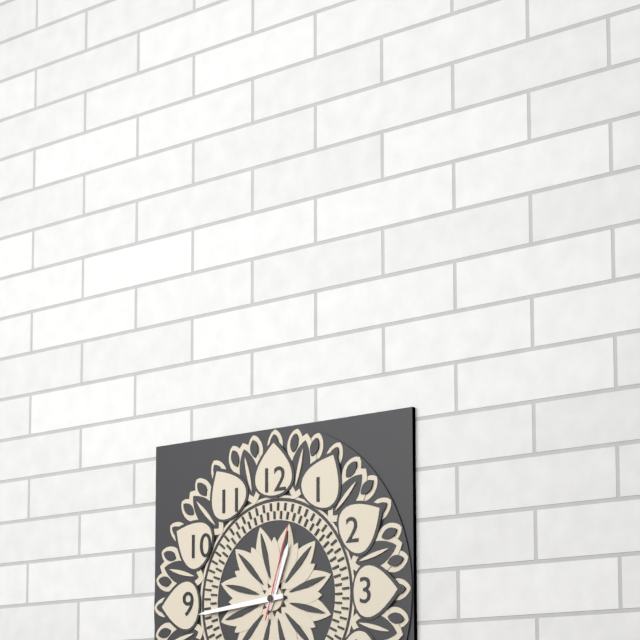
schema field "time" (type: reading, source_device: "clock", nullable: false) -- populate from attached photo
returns 12:44:03
